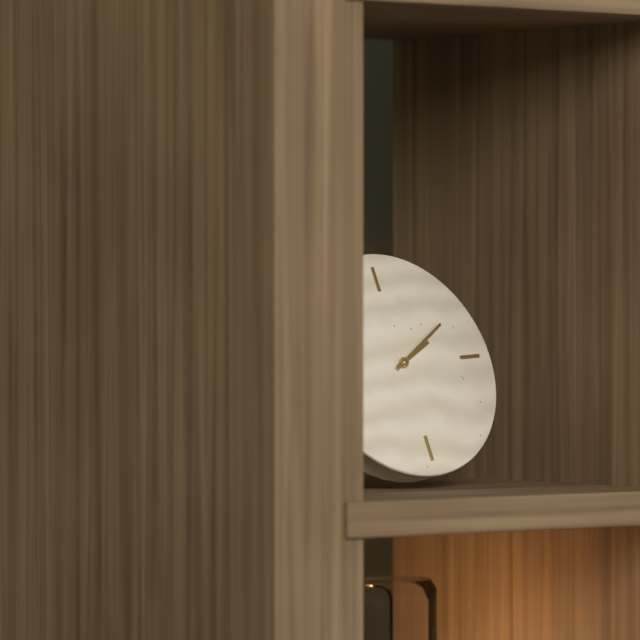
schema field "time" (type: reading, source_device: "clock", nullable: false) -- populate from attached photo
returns 2:10
